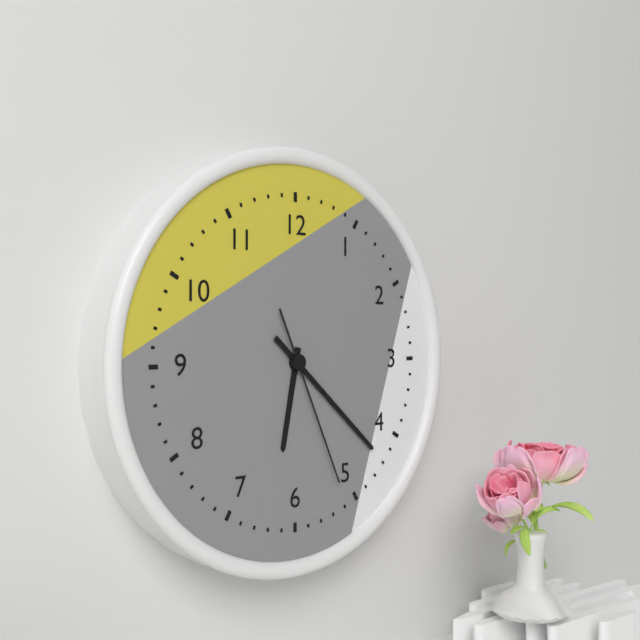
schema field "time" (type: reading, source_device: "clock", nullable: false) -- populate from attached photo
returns 6:22:26
